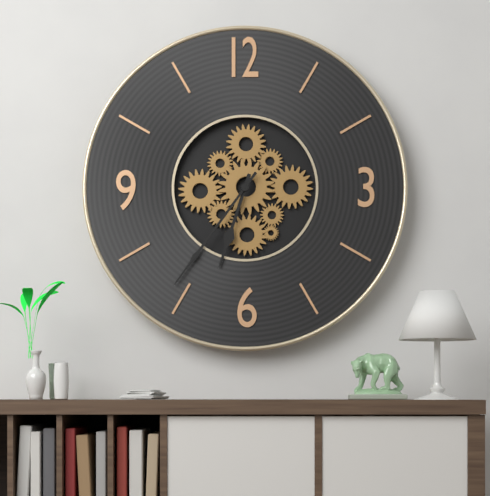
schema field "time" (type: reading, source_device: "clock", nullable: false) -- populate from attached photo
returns 6:36
